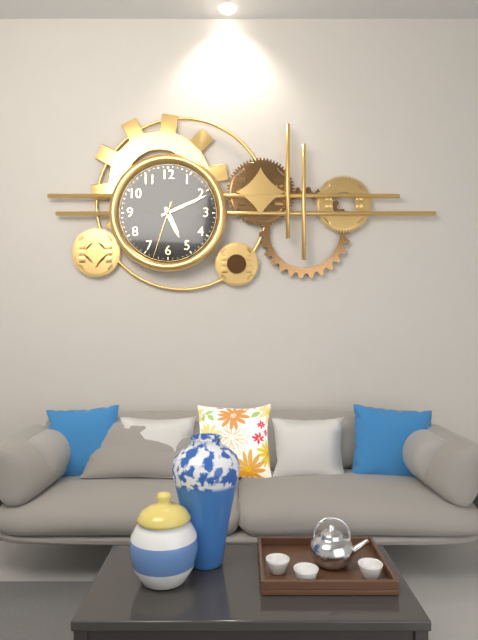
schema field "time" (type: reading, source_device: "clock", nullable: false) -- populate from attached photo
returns 5:11:33
